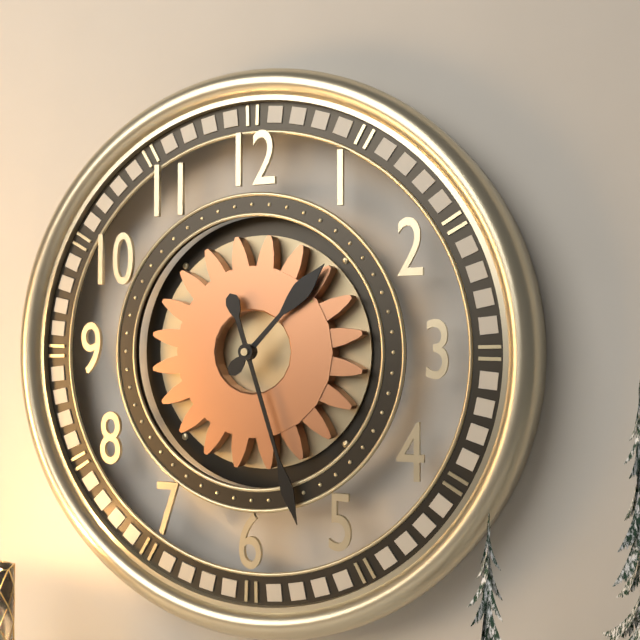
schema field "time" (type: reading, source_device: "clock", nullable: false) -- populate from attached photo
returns 1:27
